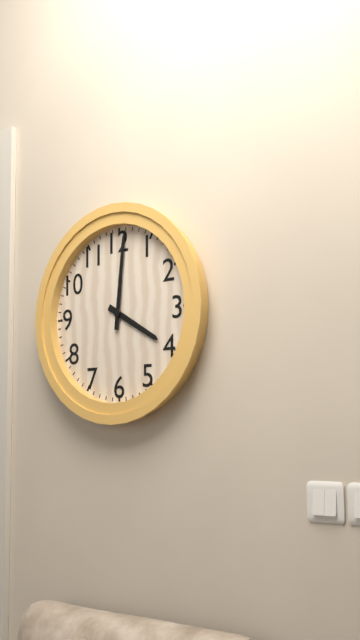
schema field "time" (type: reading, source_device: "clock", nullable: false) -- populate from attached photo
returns 4:01
